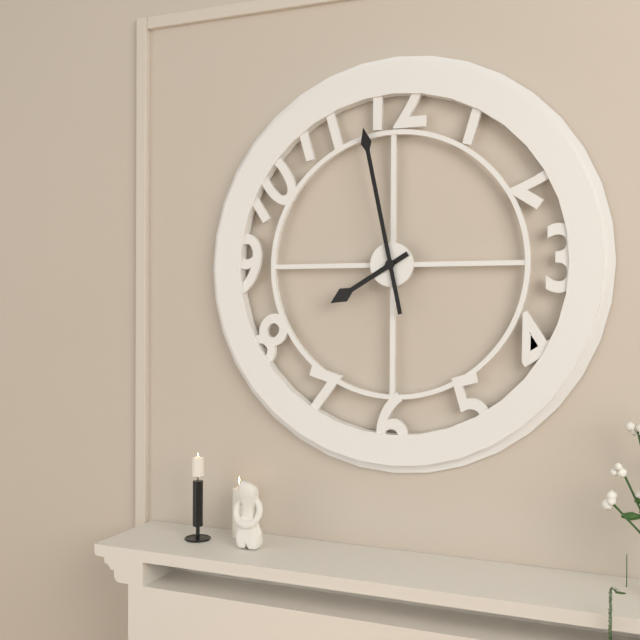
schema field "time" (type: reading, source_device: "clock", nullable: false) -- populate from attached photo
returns 7:58
